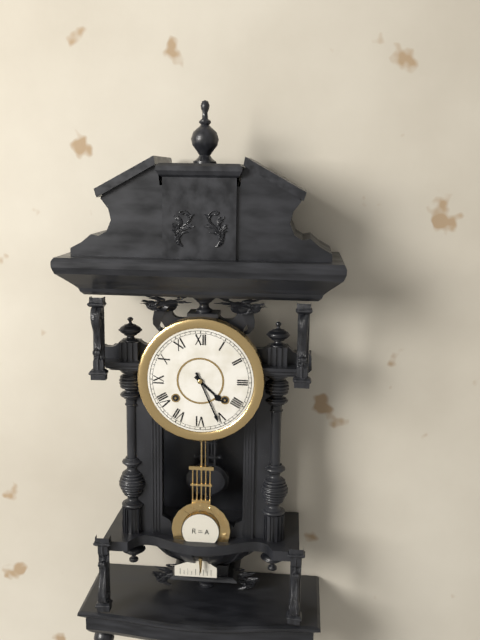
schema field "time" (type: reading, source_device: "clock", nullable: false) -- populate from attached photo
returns 4:26
